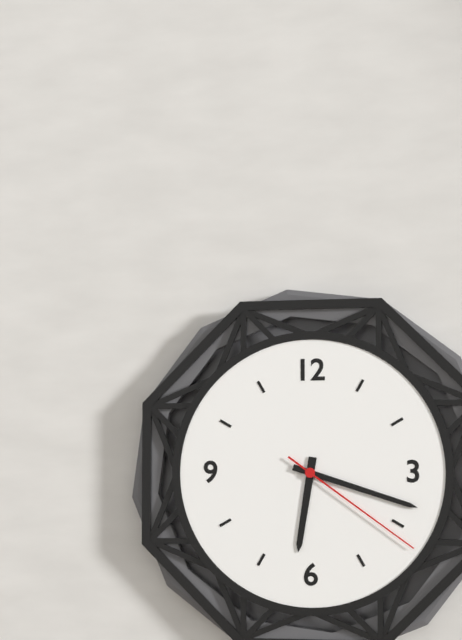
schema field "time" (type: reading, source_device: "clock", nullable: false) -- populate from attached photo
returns 6:18:21
